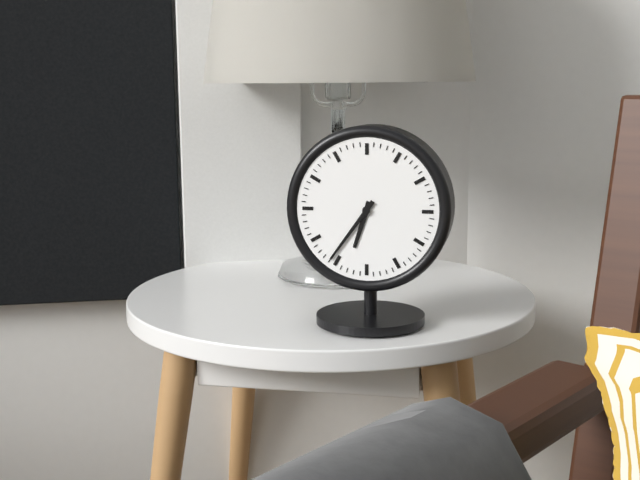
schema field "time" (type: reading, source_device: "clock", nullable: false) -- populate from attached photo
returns 6:36
